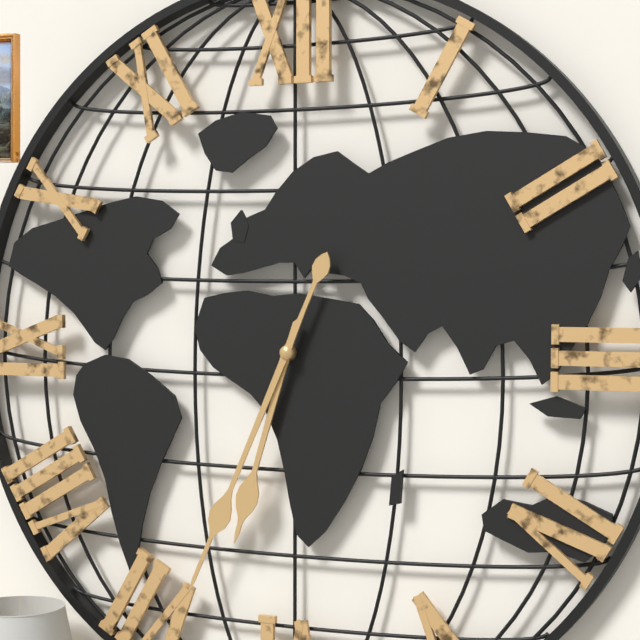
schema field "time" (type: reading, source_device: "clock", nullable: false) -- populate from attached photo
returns 6:34
